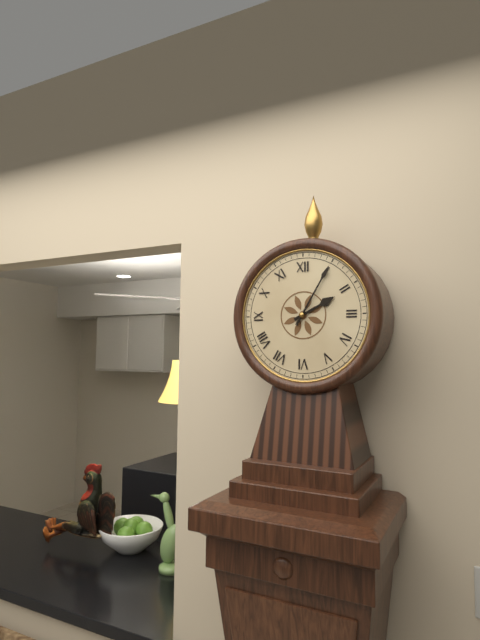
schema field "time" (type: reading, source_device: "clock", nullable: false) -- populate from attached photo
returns 2:05
